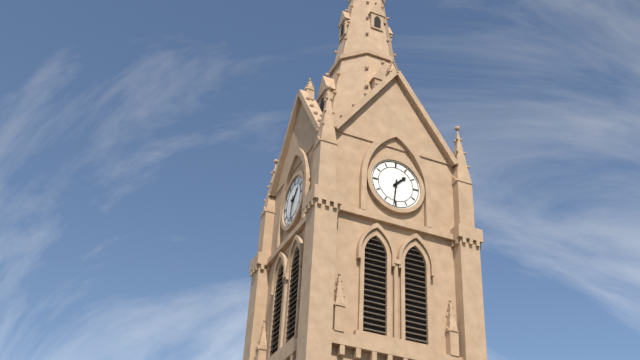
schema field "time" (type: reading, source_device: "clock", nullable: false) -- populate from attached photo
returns 1:31
